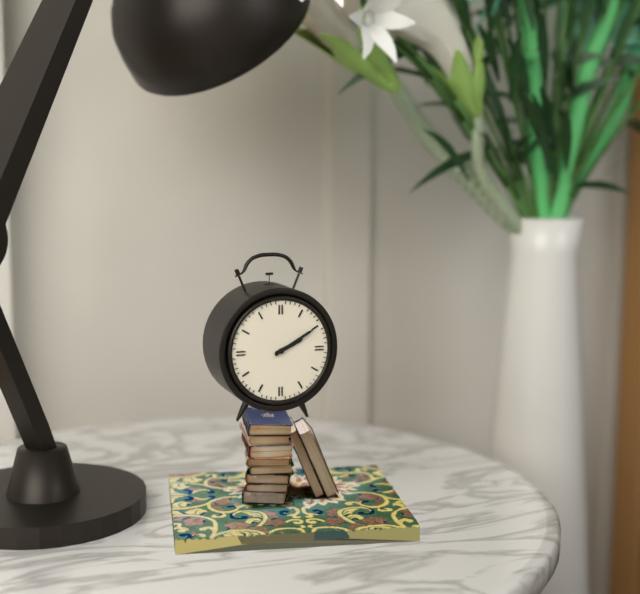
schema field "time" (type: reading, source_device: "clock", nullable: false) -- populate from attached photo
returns 2:10
